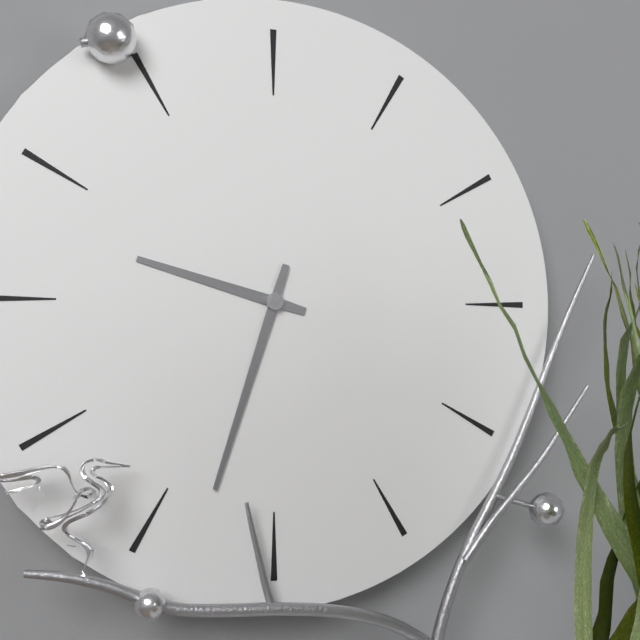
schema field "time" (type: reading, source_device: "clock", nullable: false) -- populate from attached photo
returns 9:33
